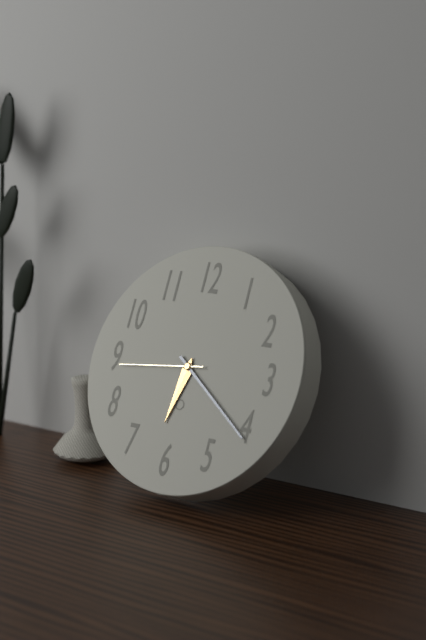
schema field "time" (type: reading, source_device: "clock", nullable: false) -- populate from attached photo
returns 6:21:44
